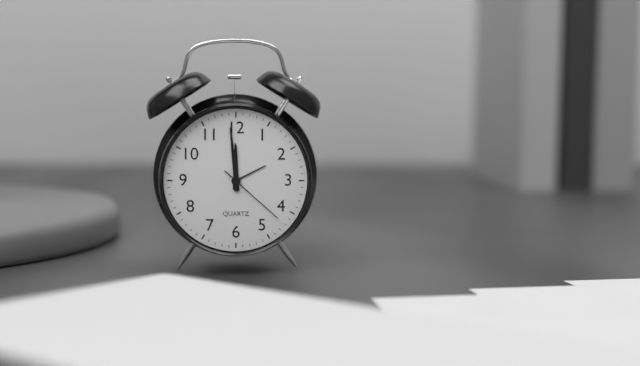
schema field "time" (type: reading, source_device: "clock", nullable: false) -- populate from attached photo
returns 11:59:22
